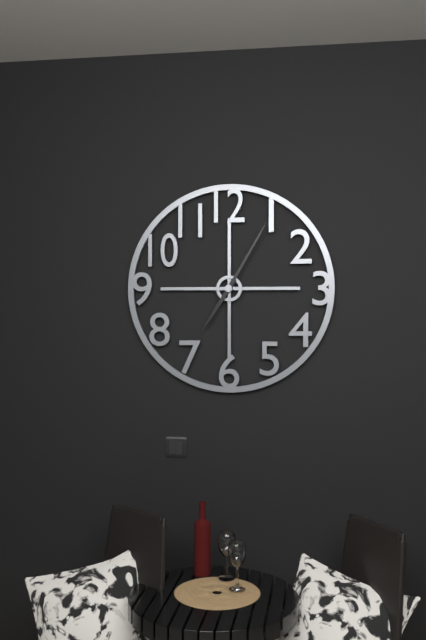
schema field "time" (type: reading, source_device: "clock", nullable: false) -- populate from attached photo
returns 7:05
